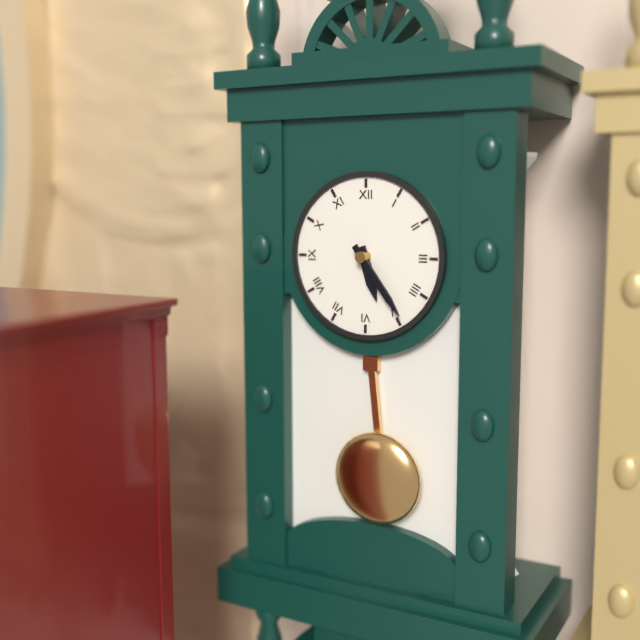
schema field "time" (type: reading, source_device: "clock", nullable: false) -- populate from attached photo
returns 5:24
